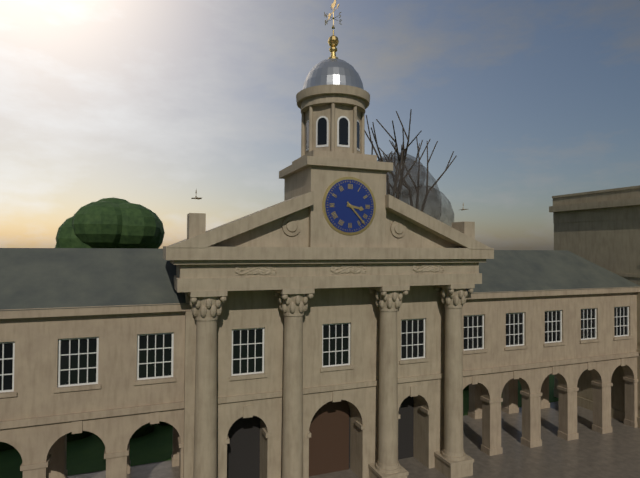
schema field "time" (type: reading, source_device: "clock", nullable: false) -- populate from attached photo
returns 3:23
